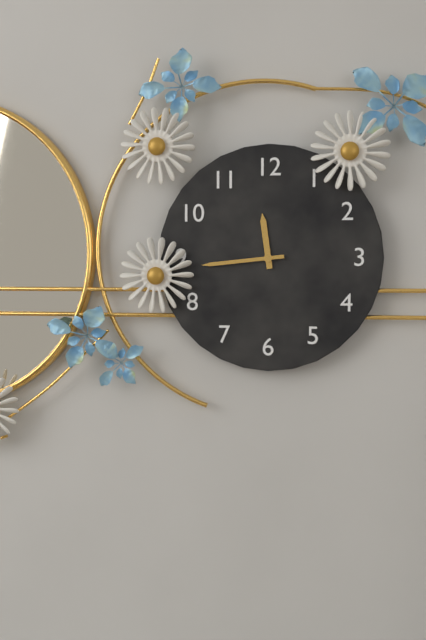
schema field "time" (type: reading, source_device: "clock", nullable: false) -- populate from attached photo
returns 11:44
